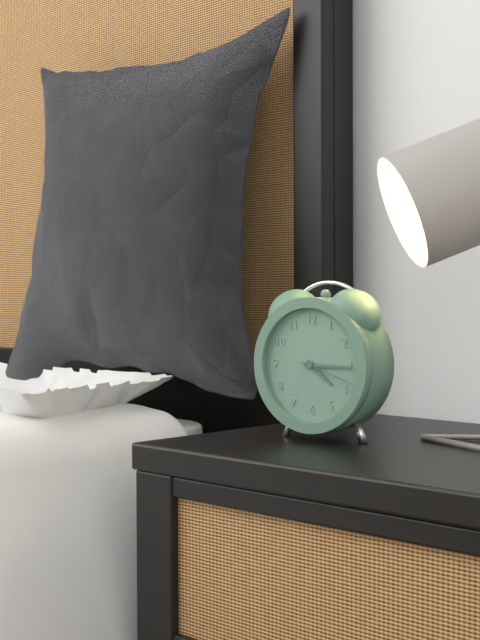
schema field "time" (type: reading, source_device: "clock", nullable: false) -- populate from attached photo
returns 4:15:18
